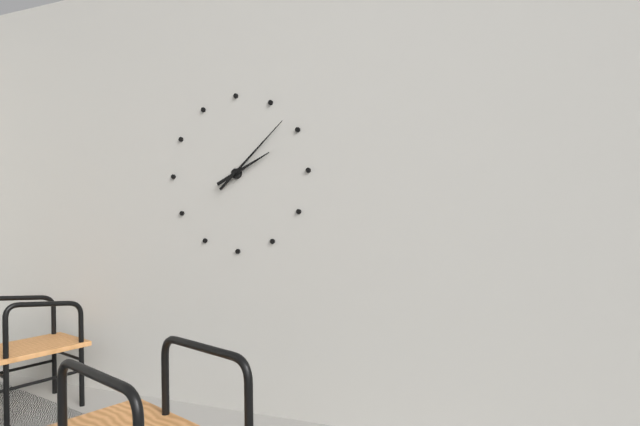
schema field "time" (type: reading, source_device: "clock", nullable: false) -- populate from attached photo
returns 2:08
